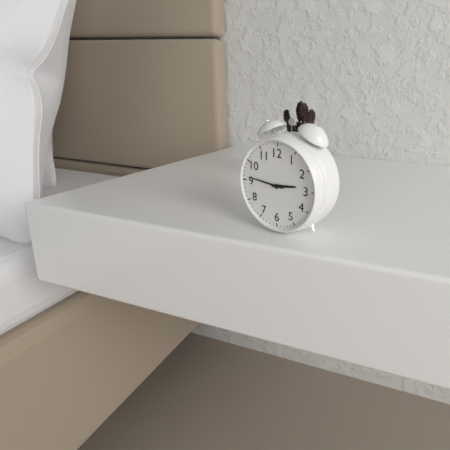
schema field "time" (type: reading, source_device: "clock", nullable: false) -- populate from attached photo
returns 2:46
